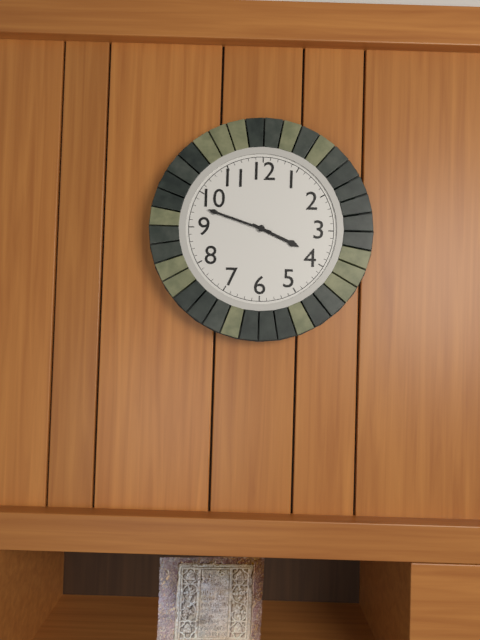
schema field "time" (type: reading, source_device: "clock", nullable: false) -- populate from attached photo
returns 3:48
